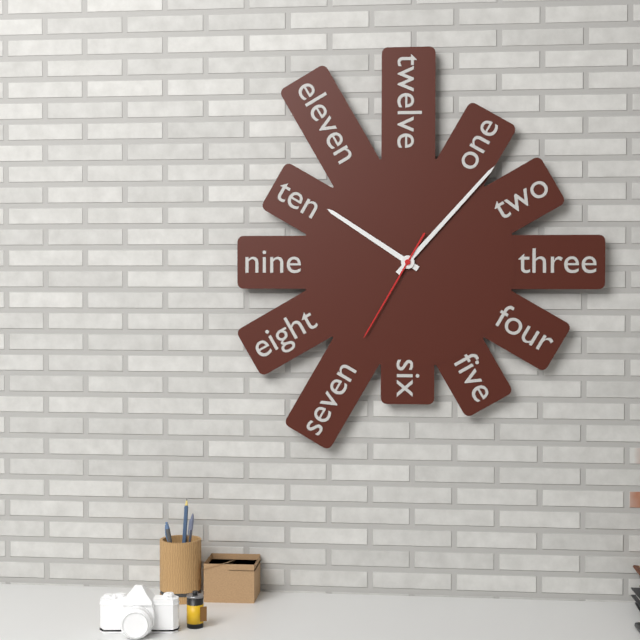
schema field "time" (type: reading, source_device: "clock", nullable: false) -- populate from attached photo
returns 10:07:35
